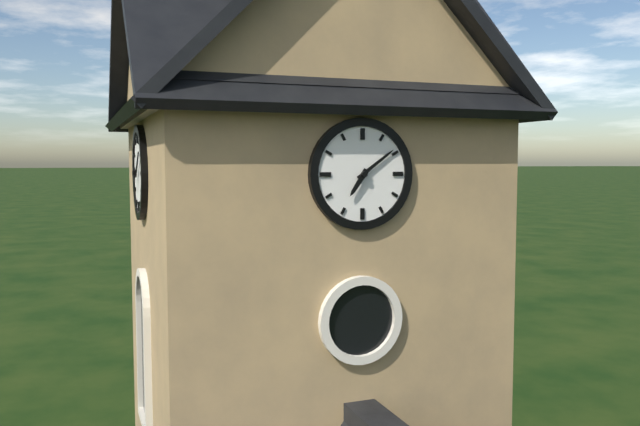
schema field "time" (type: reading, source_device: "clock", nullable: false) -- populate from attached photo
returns 7:09
